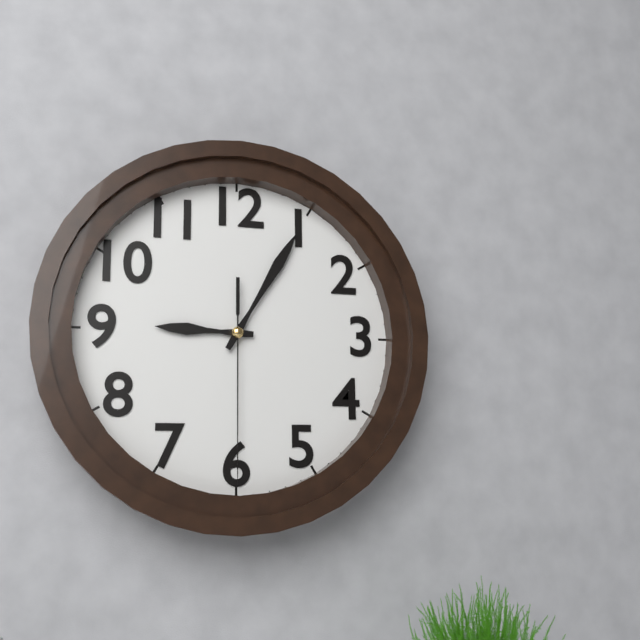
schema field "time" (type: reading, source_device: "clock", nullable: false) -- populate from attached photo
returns 9:05:30
